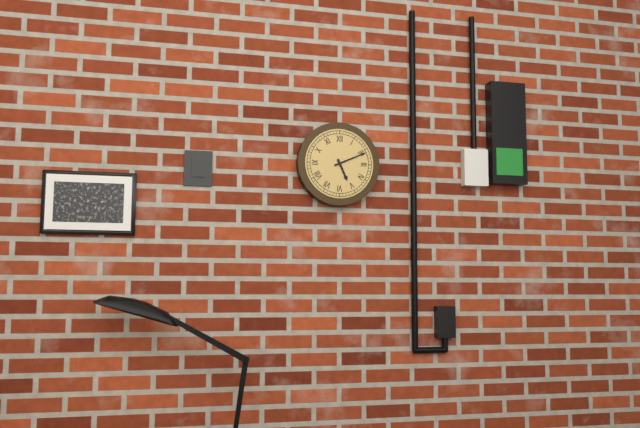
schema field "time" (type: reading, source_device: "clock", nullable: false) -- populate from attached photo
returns 5:11
